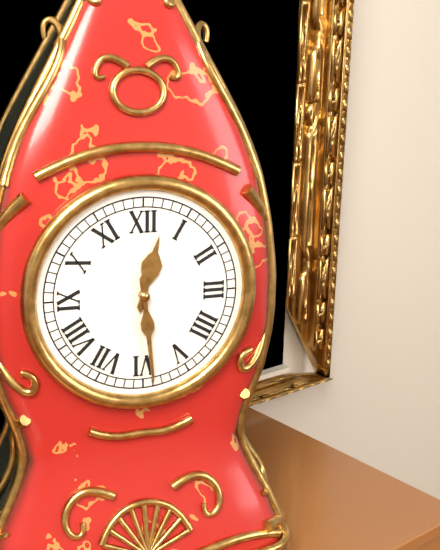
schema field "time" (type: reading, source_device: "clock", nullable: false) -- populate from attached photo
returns 12:29
